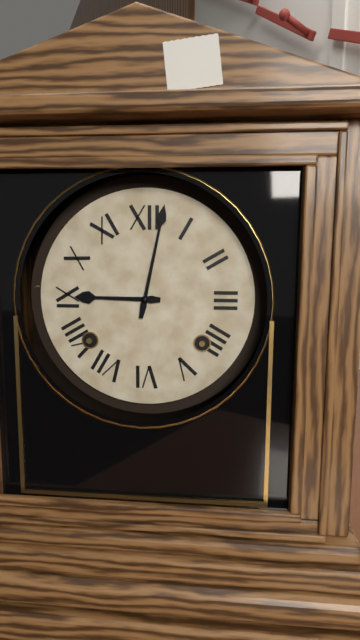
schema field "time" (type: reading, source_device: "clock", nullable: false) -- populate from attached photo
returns 9:02
